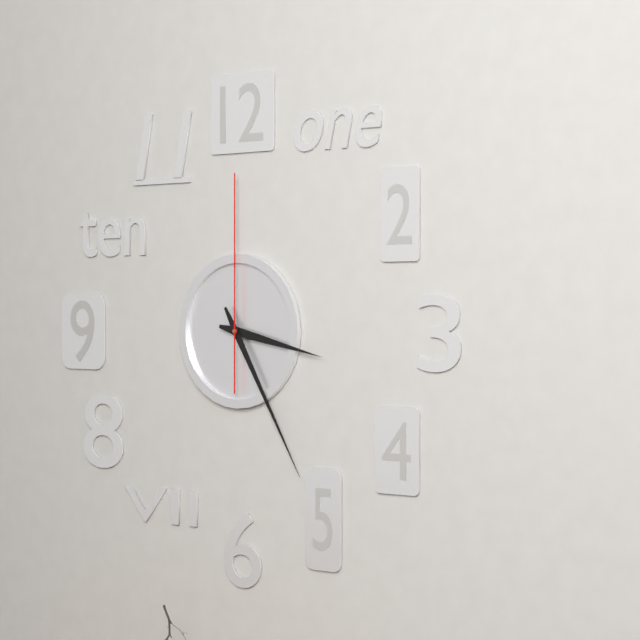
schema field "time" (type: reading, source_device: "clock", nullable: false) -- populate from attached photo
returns 3:25:00
